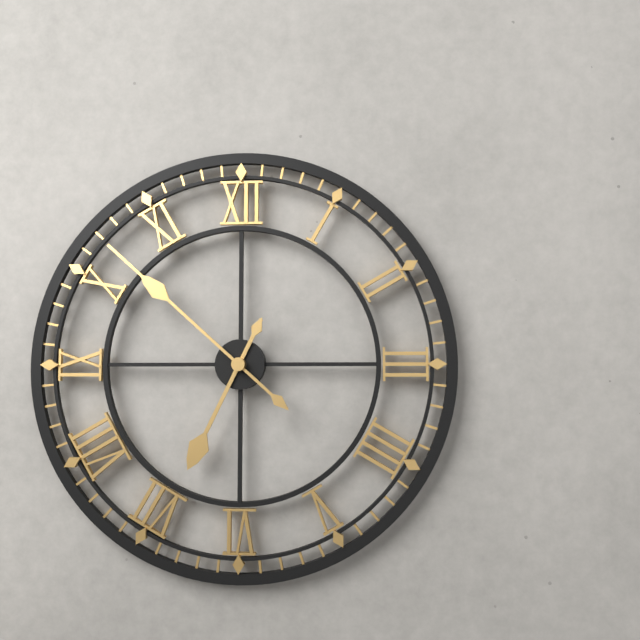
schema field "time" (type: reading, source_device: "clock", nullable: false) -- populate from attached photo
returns 6:52
